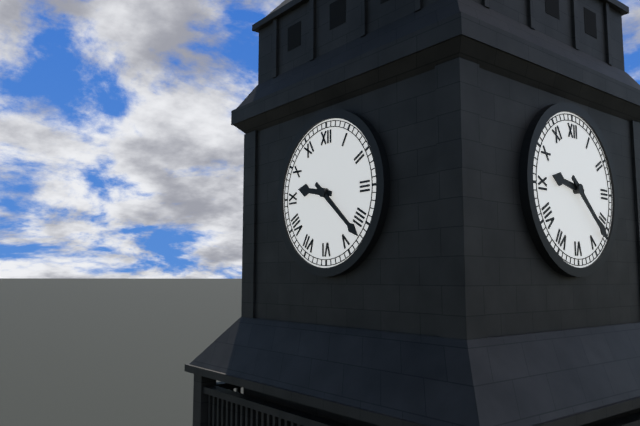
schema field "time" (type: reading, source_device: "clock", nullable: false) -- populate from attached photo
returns 9:22
